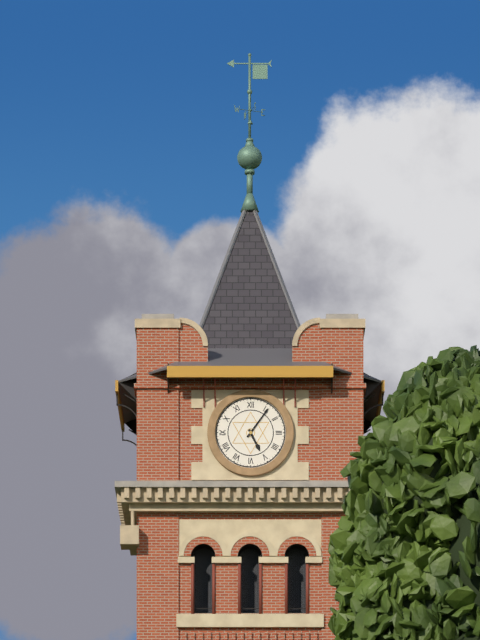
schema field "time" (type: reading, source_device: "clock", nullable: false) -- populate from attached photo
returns 5:06
